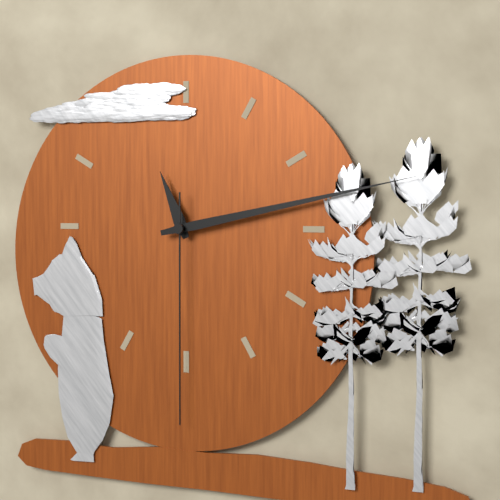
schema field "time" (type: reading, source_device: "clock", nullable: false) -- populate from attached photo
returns 11:13:30
